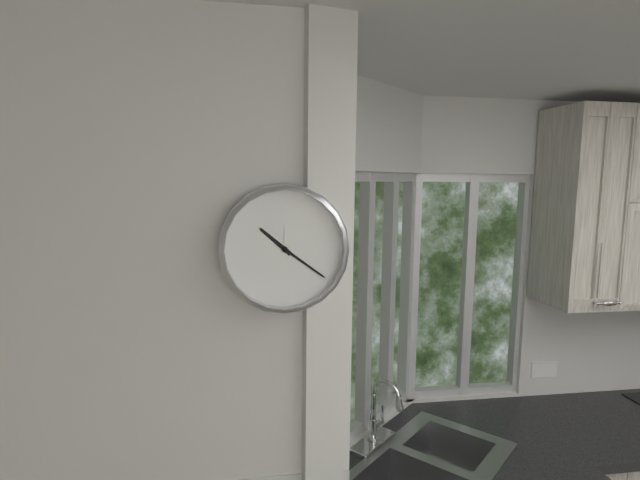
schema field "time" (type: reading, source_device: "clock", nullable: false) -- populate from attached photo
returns 10:21
